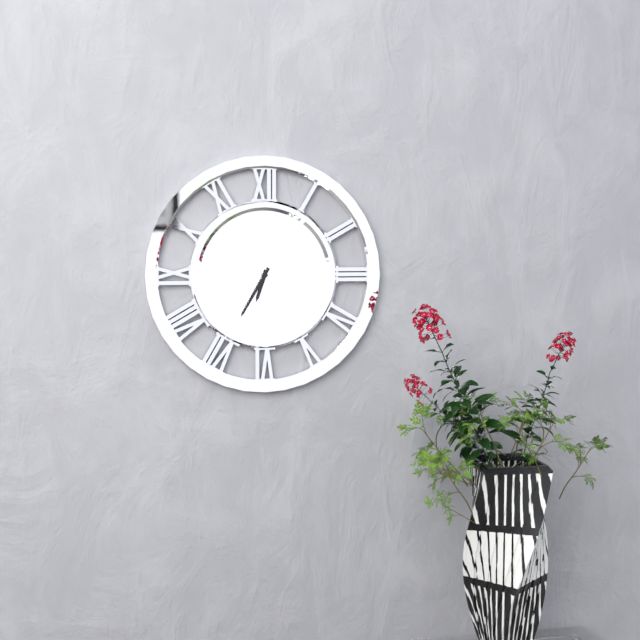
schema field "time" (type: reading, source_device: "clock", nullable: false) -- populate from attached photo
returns 6:35
